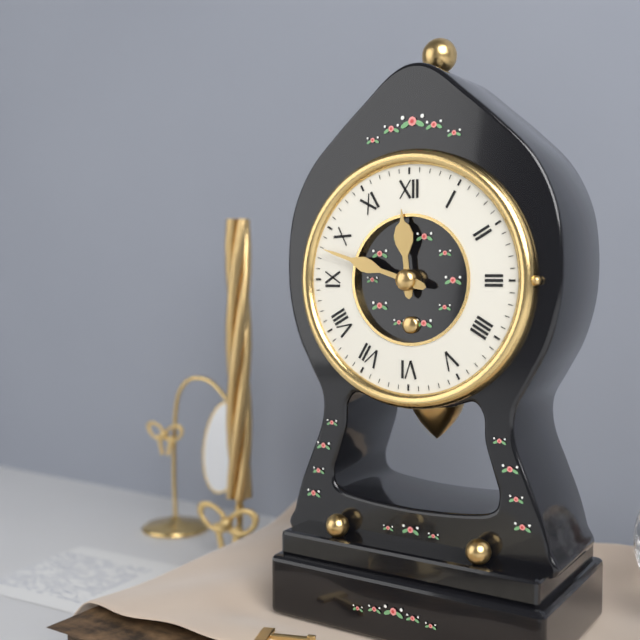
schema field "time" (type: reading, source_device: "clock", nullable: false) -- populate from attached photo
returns 11:48
